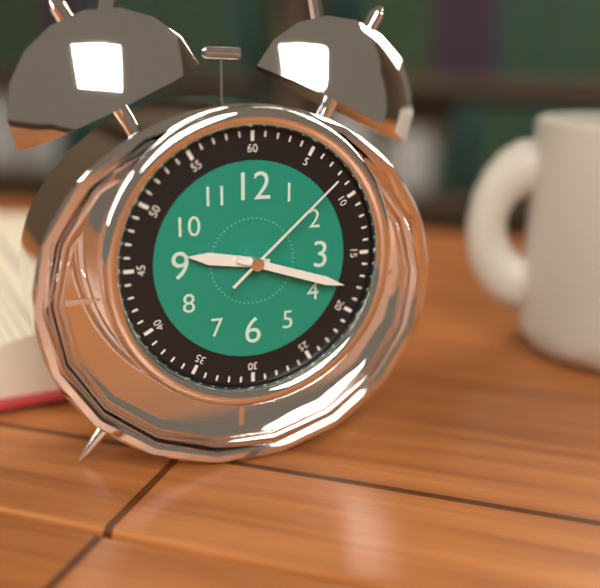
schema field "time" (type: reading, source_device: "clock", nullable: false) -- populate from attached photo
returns 9:18:08
